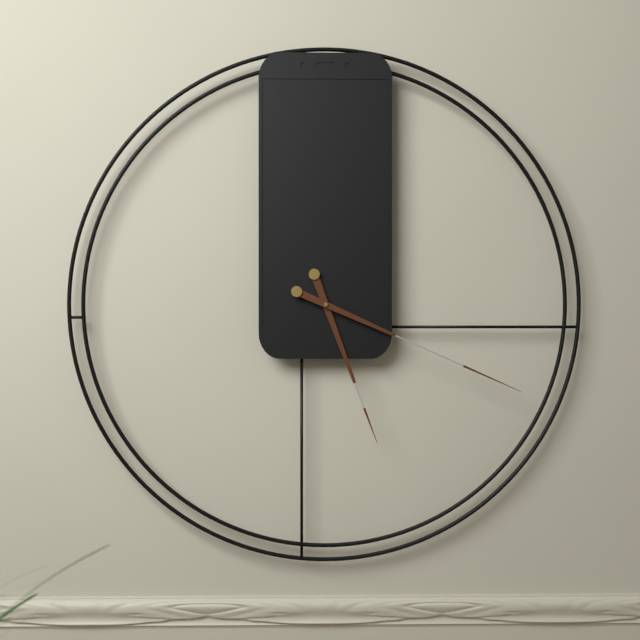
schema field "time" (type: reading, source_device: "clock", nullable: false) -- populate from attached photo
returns 5:19
